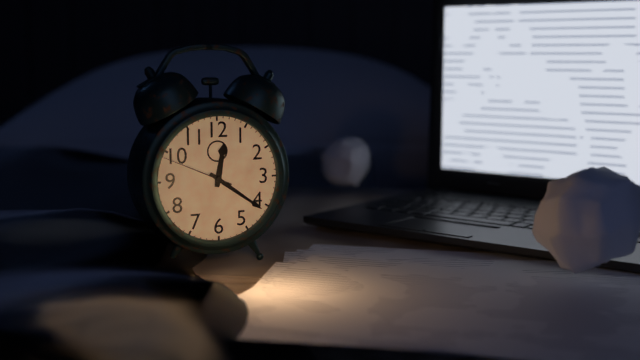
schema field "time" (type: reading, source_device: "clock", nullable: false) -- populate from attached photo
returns 12:21:49
